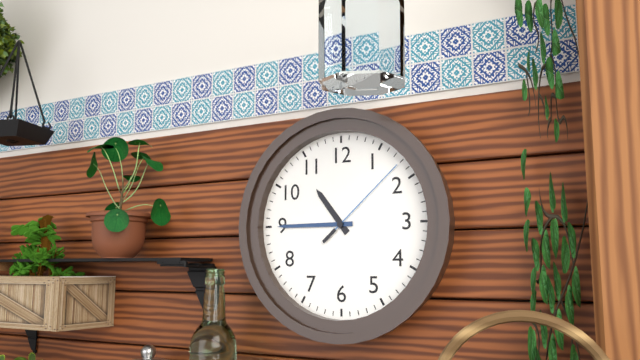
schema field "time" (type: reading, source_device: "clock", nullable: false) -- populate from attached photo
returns 10:45:08
